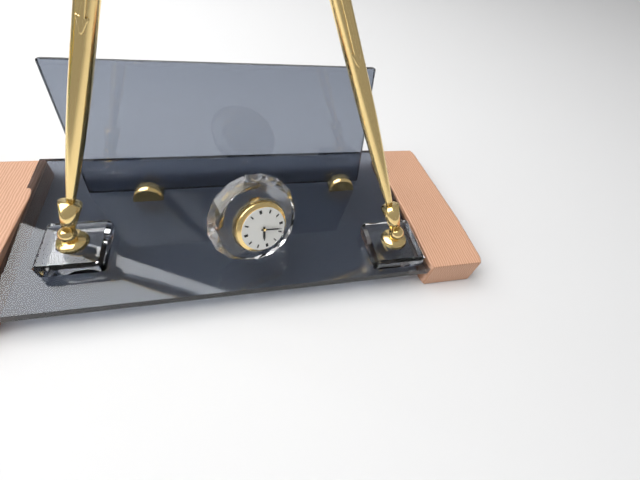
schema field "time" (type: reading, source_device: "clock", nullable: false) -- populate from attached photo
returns 6:18
